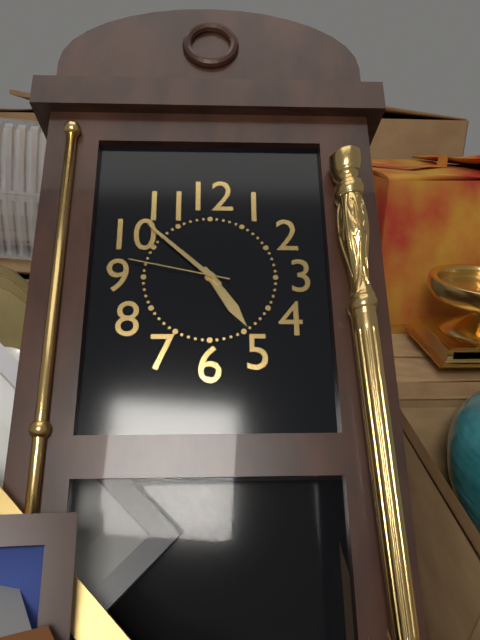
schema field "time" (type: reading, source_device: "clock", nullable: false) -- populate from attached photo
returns 4:52:47
